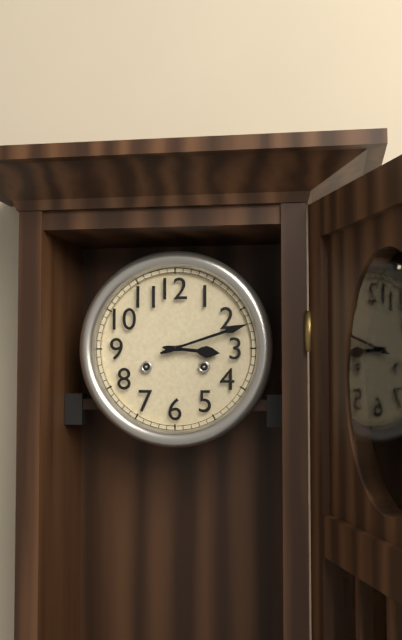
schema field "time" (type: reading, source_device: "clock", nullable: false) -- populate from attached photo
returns 3:12
